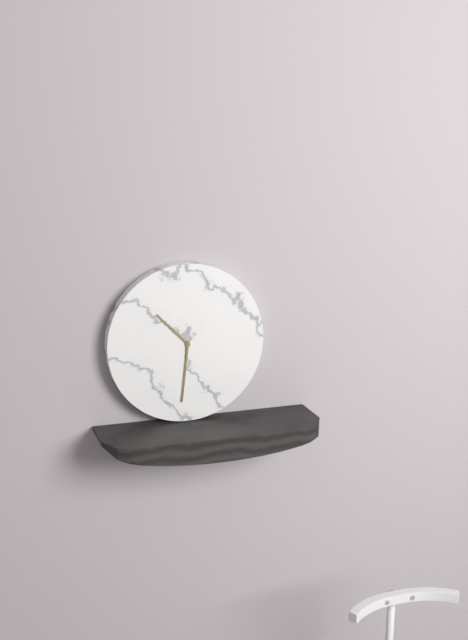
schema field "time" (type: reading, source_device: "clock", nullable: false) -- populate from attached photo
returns 10:31
